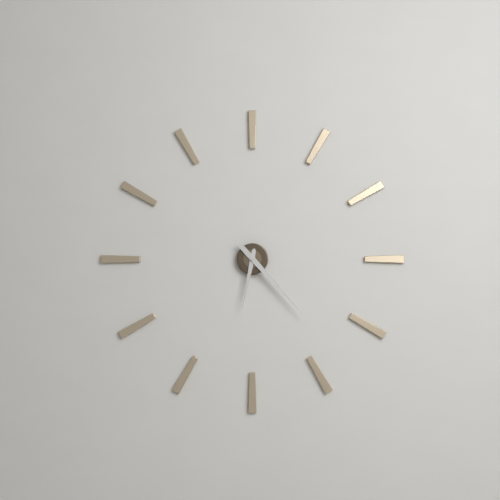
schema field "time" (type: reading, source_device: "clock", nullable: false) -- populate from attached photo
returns 6:23
